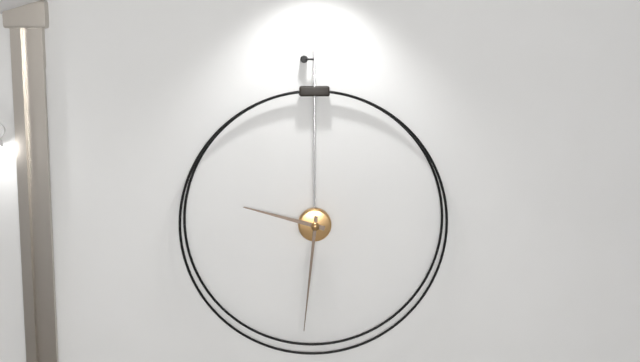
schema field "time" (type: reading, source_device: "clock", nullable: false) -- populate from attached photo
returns 9:31
